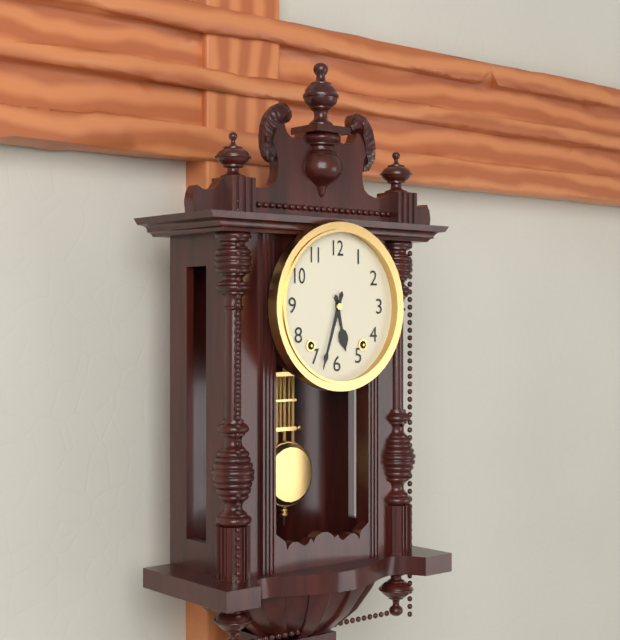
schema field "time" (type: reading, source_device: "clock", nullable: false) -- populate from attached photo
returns 5:33
